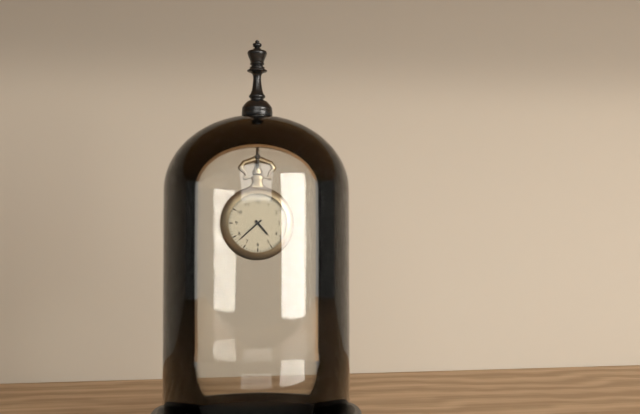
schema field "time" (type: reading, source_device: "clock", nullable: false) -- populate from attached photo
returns 4:38
